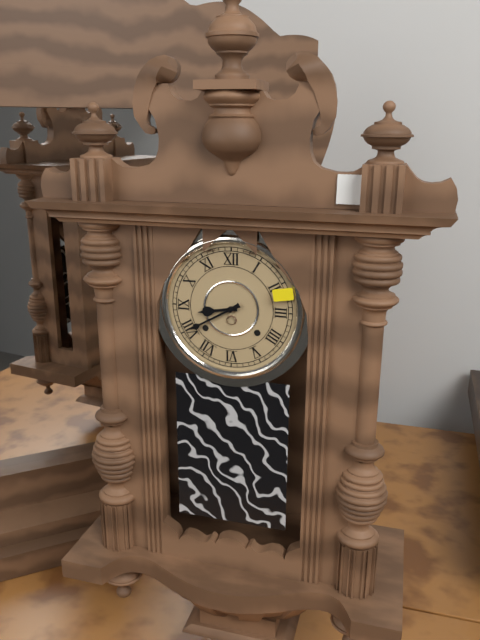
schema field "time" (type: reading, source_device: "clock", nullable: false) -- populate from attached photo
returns 8:40
